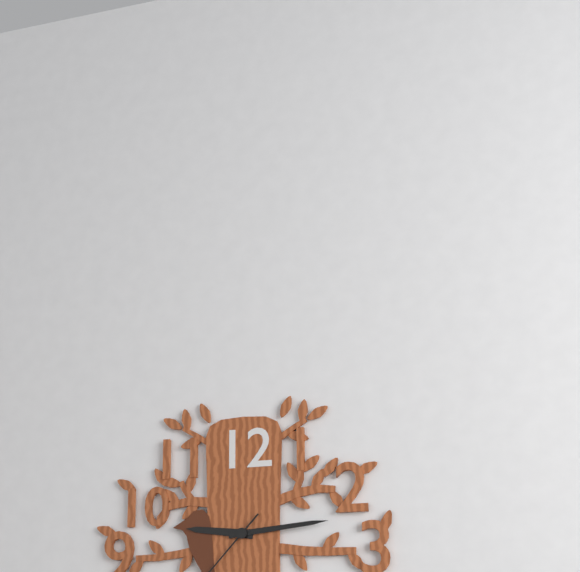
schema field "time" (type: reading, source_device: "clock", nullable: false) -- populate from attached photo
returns 9:14
